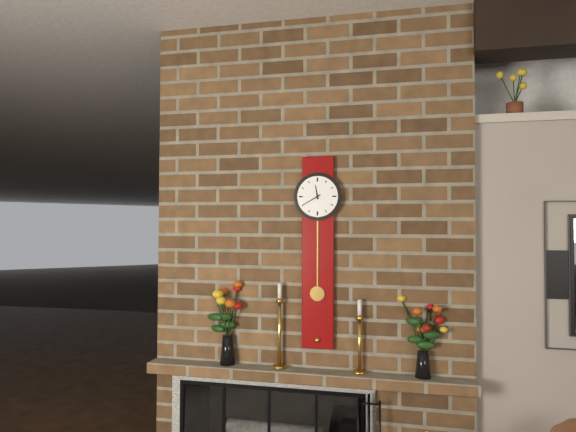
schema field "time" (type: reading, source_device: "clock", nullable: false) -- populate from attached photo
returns 11:40
